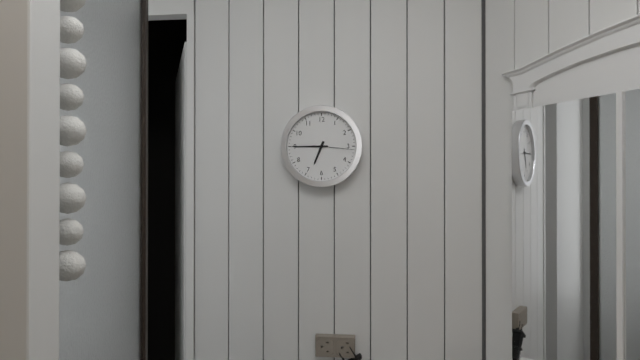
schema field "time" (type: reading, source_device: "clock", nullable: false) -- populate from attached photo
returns 6:45
